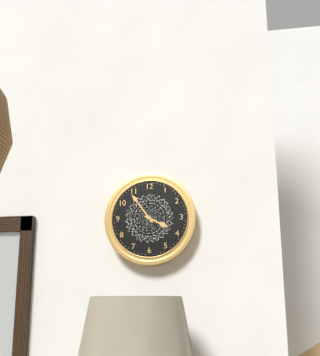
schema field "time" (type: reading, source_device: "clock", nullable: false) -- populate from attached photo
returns 3:54
